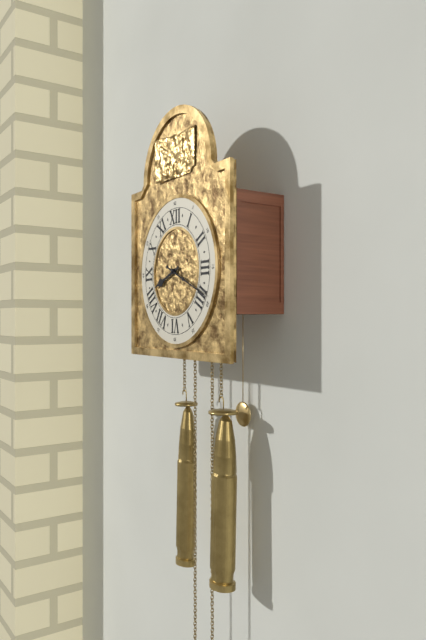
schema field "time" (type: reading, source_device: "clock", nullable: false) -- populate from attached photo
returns 8:19
